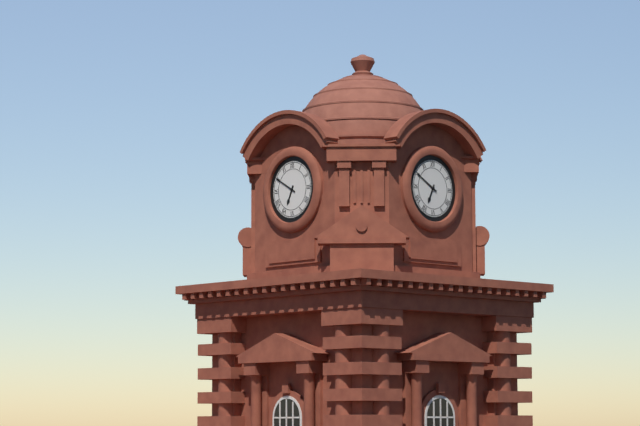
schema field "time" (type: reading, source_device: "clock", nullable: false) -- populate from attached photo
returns 6:50
